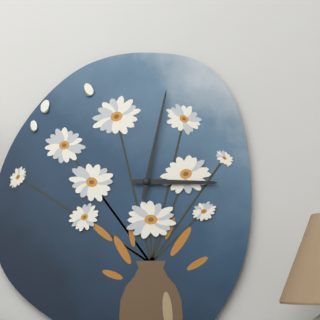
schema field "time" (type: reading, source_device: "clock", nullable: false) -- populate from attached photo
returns 3:02
